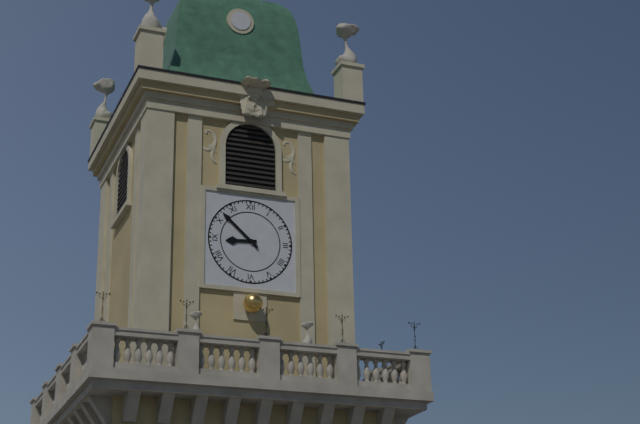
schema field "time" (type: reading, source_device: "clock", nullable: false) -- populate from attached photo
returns 8:52
